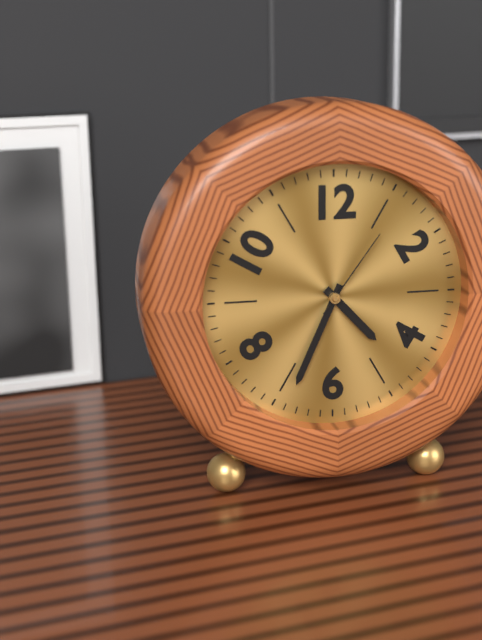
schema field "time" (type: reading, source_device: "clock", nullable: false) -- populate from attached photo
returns 4:34:06
